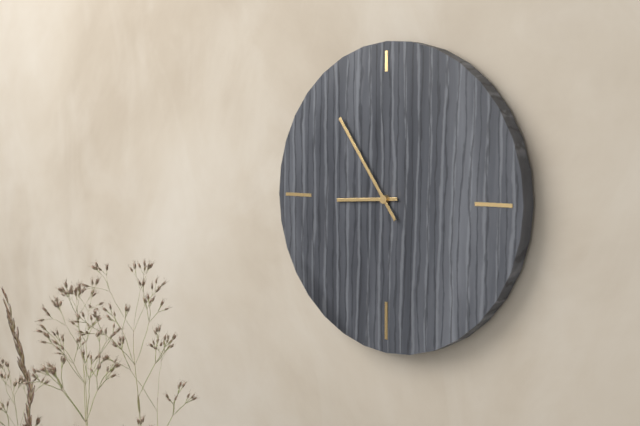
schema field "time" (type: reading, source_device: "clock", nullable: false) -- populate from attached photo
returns 8:54
